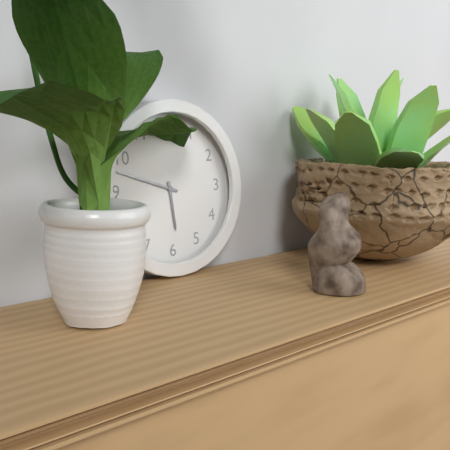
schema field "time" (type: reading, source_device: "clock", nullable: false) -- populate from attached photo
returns 5:48
